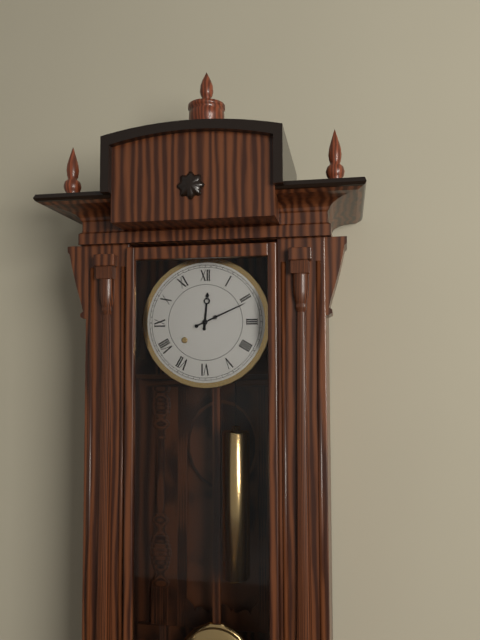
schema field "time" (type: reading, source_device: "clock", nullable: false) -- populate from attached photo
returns 12:11
